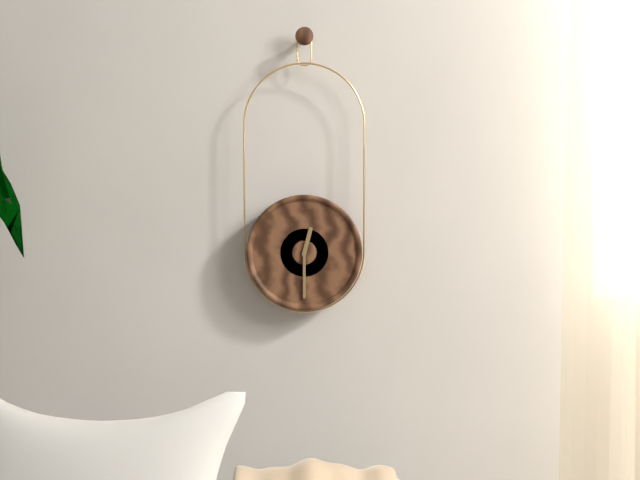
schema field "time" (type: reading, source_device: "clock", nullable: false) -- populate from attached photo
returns 12:30
